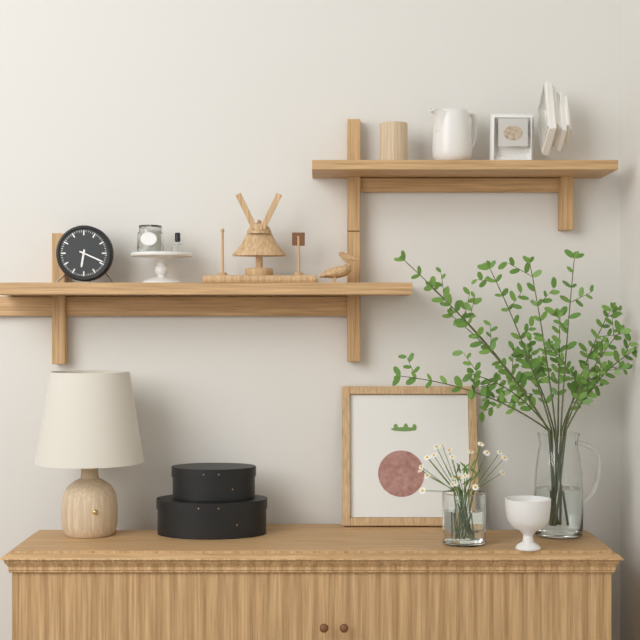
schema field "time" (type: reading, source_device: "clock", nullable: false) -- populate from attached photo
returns 6:19
